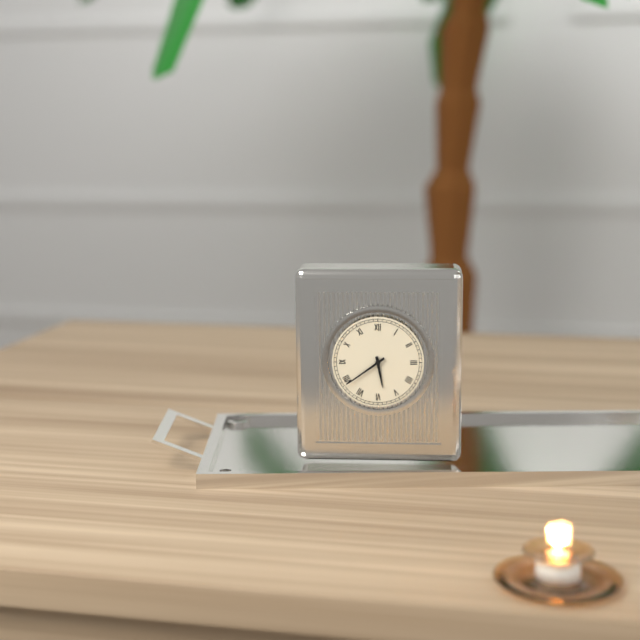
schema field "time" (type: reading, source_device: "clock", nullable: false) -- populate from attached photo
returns 5:39
